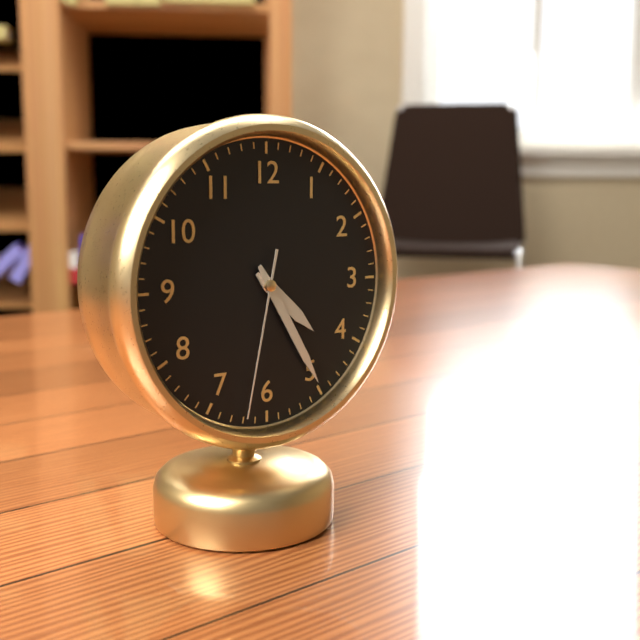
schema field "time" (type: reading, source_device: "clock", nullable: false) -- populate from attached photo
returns 4:25:32
